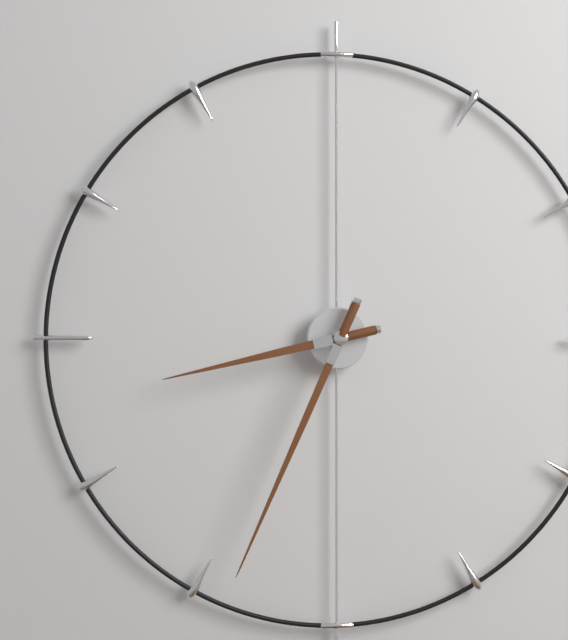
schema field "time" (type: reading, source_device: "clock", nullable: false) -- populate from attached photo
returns 8:34
